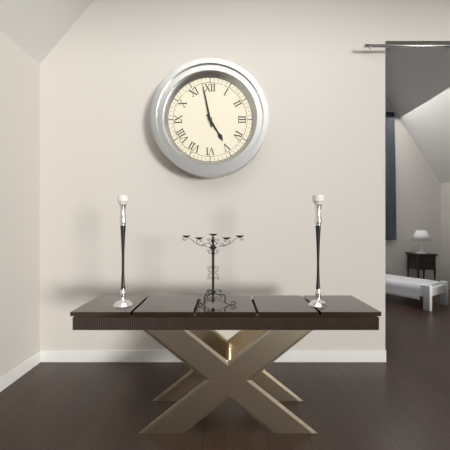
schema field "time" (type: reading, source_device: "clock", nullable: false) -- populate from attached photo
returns 4:58
